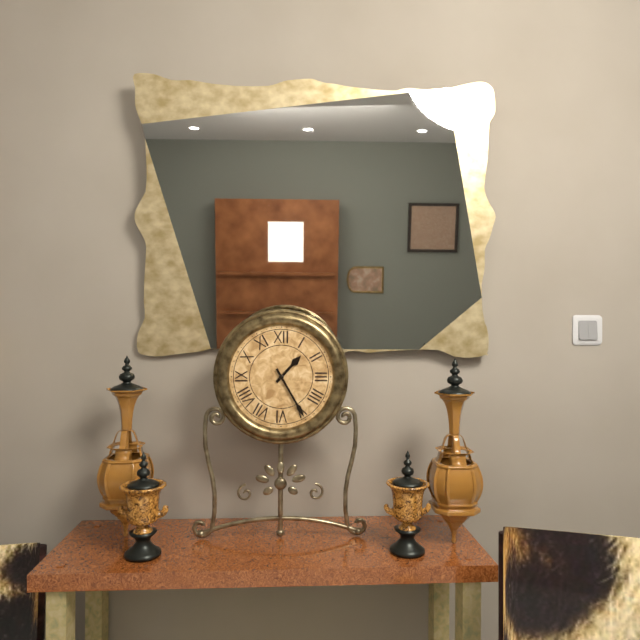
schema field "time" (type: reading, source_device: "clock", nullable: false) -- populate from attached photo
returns 1:25
